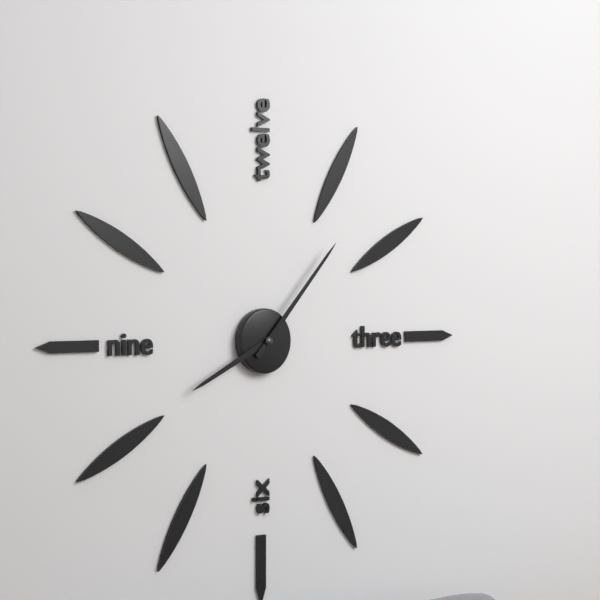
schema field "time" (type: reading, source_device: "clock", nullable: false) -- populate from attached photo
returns 8:07
